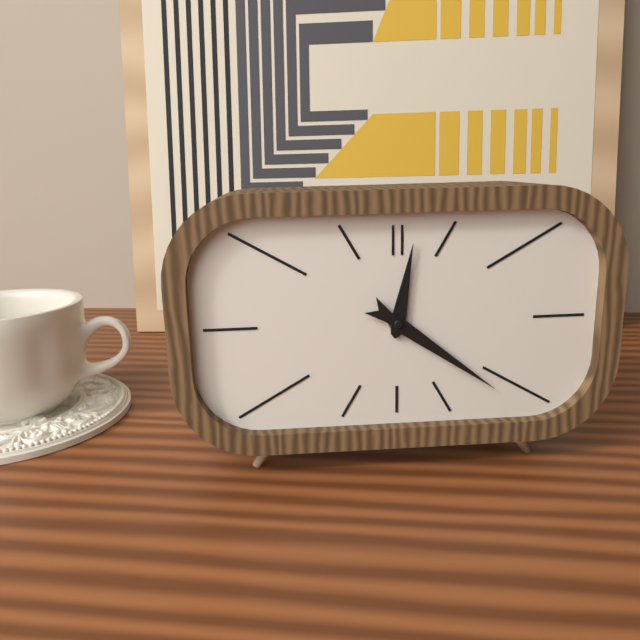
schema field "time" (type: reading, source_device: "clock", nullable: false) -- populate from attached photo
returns 12:21
